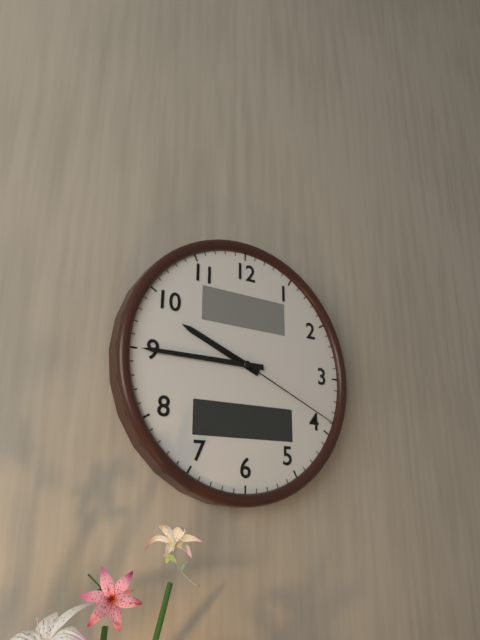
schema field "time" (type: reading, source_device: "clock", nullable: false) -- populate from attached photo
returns 9:45:19
